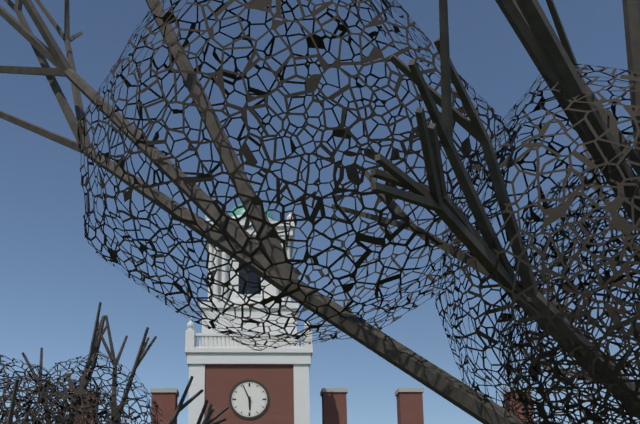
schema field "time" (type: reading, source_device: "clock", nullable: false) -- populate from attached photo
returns 5:56
